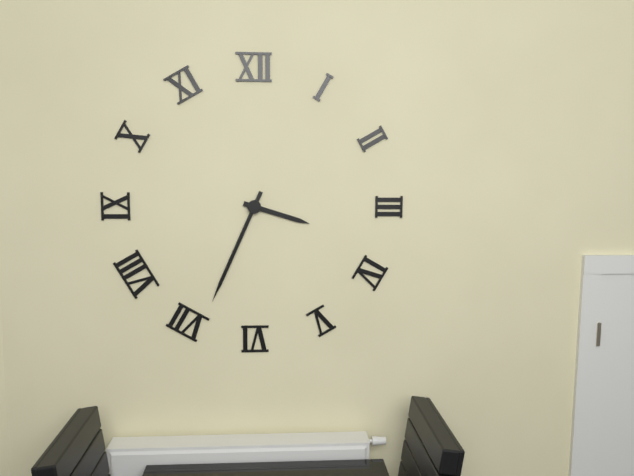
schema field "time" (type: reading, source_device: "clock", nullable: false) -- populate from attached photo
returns 3:34
